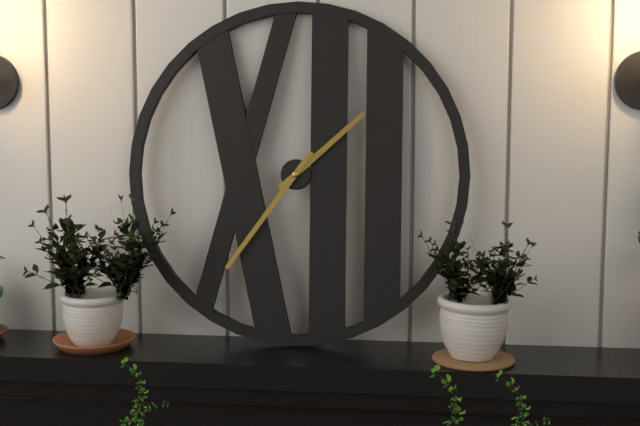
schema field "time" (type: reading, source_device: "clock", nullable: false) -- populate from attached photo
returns 1:36
